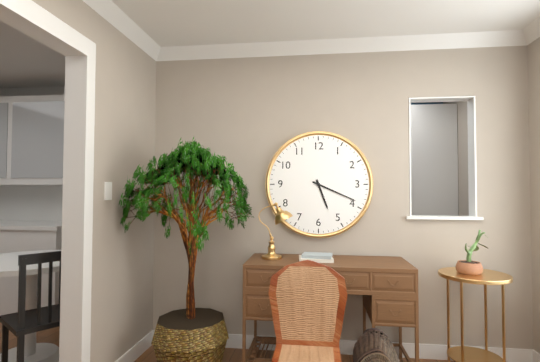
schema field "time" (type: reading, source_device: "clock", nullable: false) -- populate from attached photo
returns 5:19
